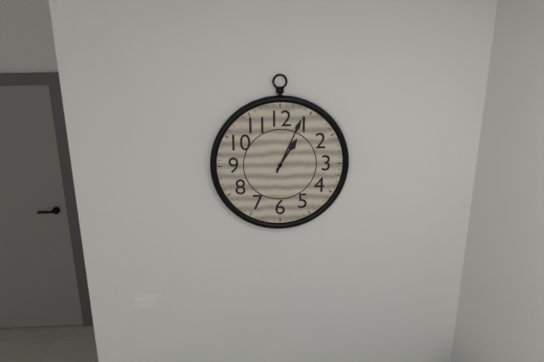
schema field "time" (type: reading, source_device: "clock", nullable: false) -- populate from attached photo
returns 1:04
